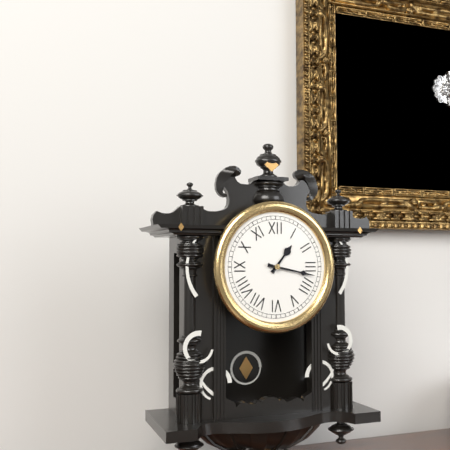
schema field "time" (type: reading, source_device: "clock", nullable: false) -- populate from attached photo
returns 1:17
